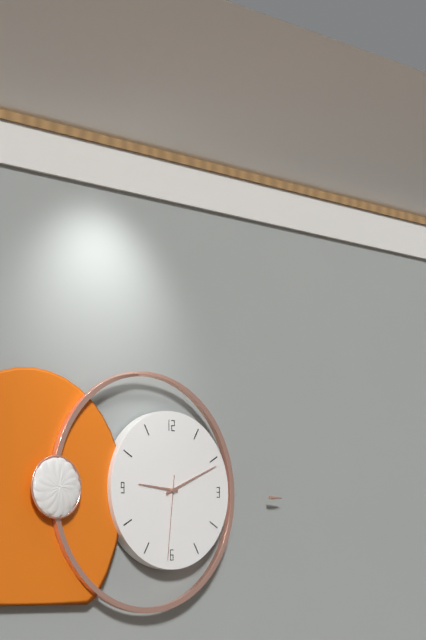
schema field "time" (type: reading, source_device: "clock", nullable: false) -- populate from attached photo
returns 9:11:31
